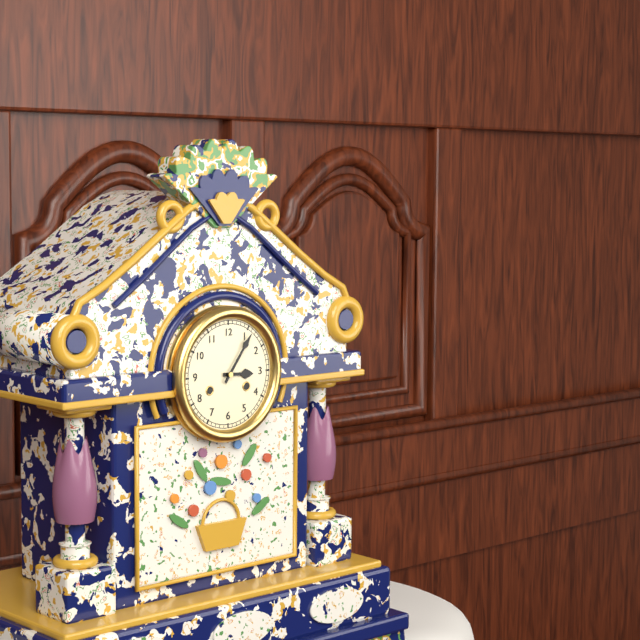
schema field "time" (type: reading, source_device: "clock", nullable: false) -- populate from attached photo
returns 3:06
